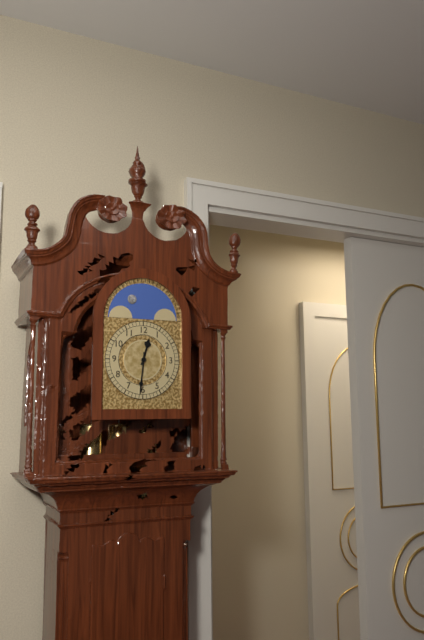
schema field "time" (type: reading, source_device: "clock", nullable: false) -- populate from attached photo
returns 12:31
